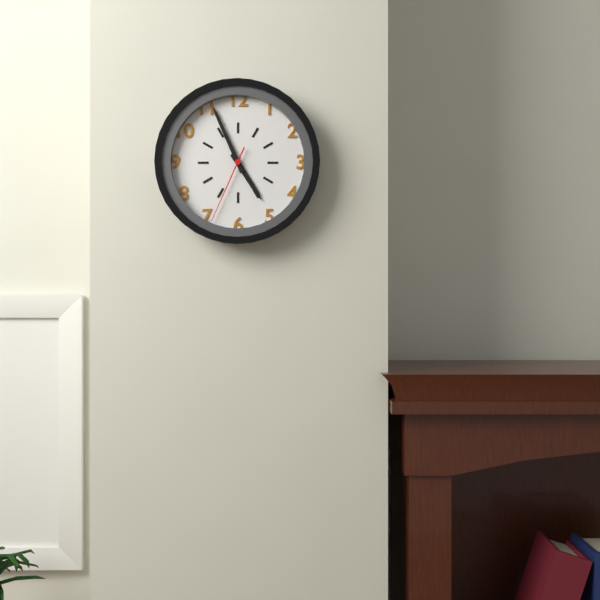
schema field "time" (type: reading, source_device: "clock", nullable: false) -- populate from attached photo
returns 4:56:34
